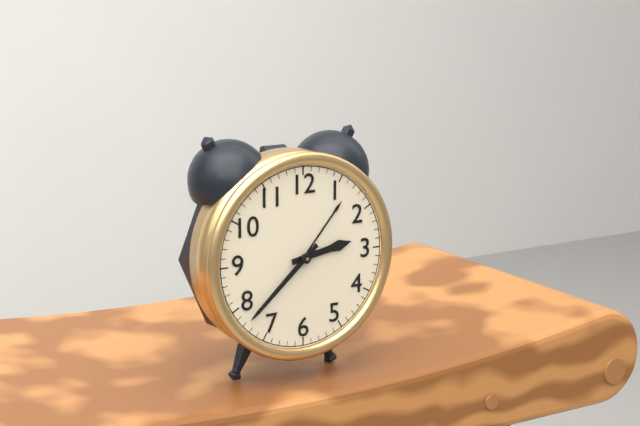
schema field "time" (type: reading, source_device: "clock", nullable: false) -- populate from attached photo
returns 2:38
